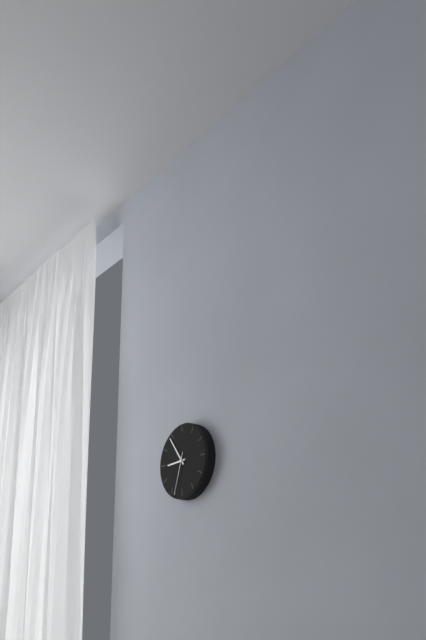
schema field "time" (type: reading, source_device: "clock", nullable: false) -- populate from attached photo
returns 8:54
